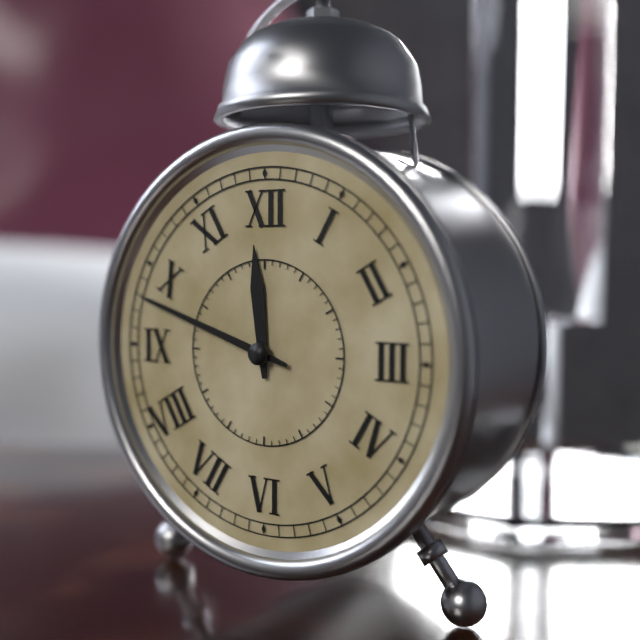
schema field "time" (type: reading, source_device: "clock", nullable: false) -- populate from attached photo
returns 11:48
